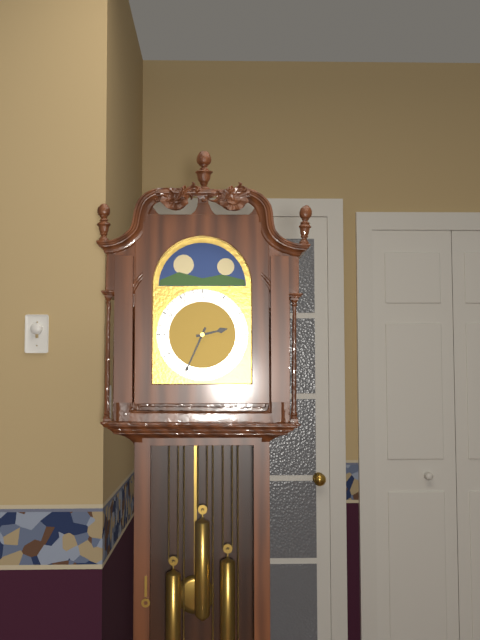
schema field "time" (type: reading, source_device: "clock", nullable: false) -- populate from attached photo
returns 2:34
